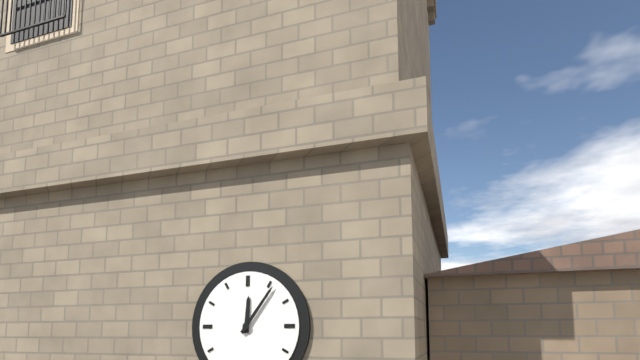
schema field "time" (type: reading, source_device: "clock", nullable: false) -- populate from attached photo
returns 12:06
